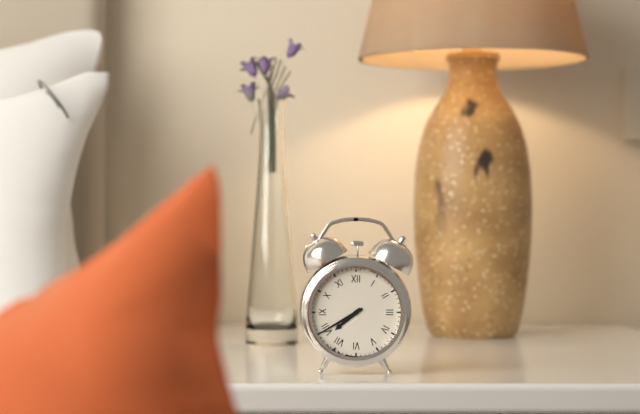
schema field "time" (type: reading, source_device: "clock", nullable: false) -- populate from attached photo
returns 7:40
